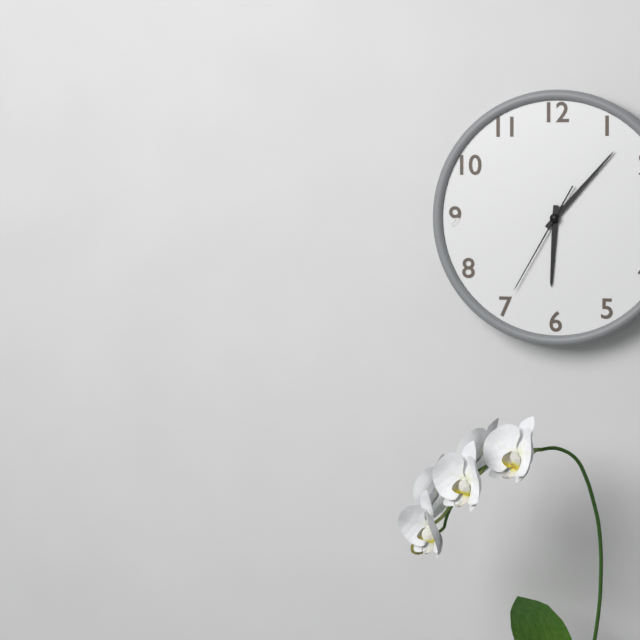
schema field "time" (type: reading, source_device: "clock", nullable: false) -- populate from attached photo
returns 6:07:35
